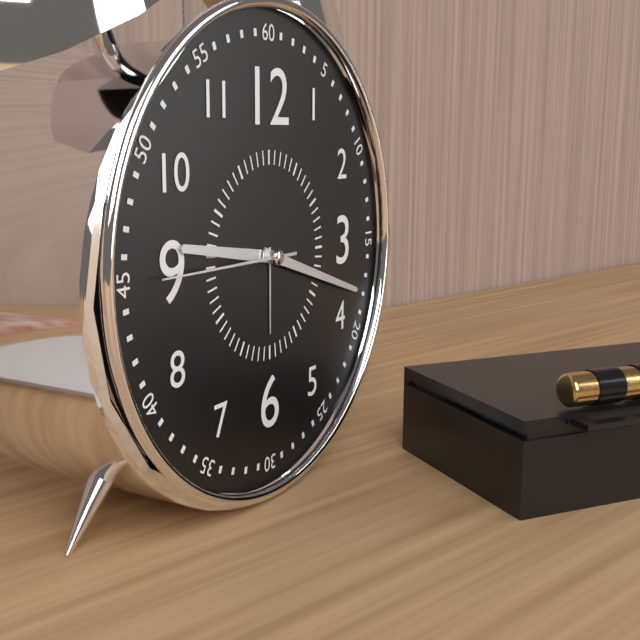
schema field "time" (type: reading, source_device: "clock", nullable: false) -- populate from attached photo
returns 9:18:45
